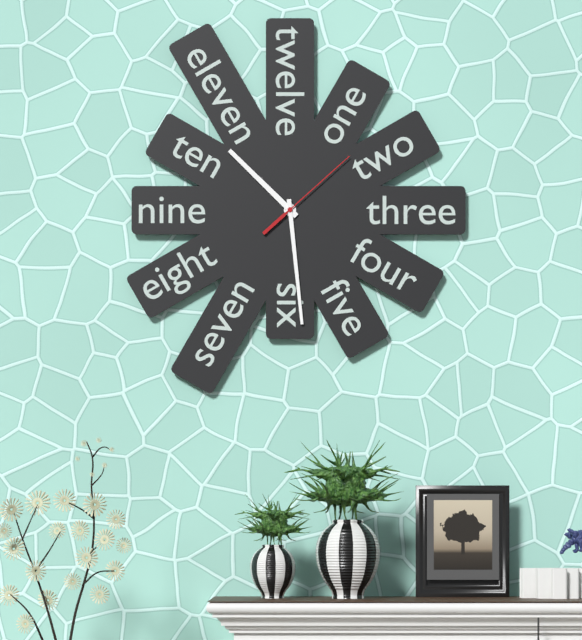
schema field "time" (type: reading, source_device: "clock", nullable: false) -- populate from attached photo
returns 10:29:08
